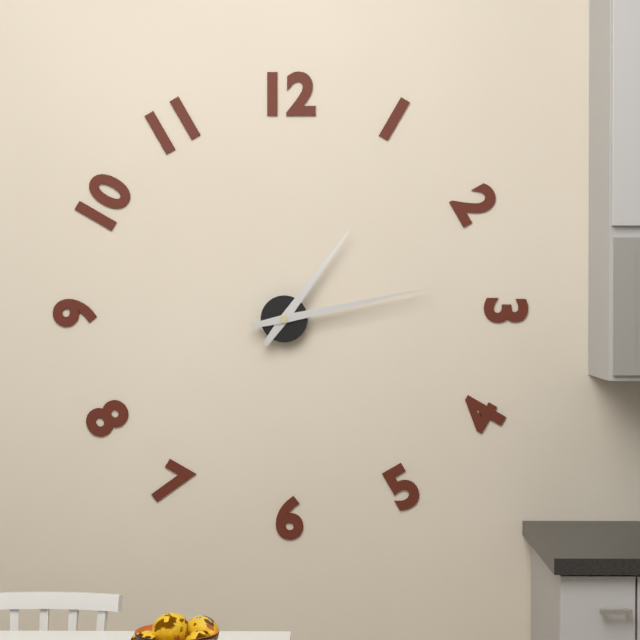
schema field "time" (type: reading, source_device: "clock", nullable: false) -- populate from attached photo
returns 1:13
